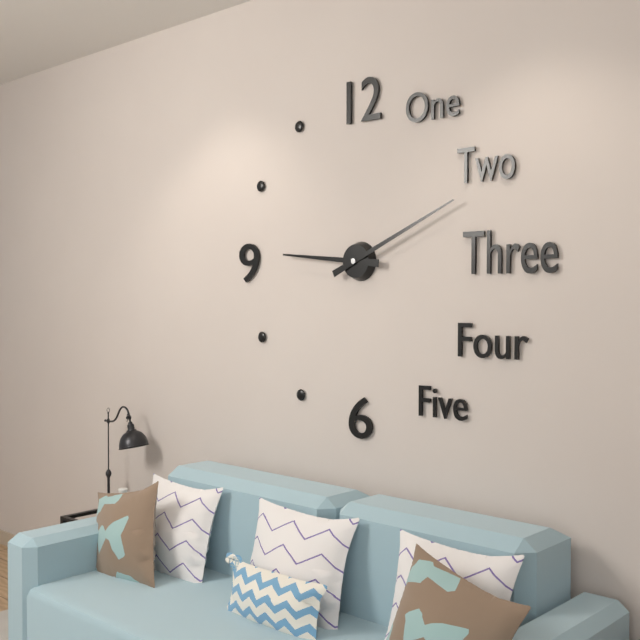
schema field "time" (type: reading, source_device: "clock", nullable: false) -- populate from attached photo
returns 9:11
